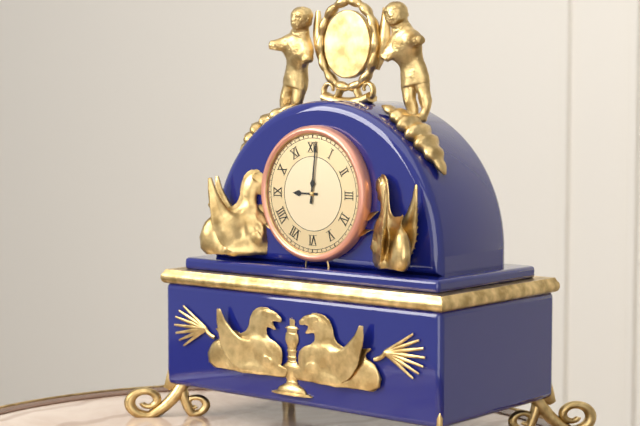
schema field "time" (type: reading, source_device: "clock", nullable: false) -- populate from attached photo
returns 9:01
